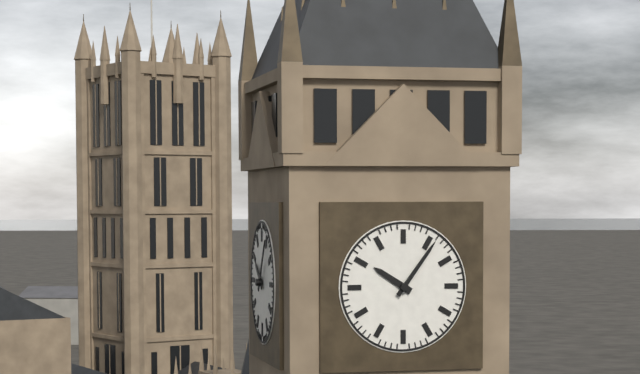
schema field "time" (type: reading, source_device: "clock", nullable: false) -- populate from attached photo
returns 10:06
